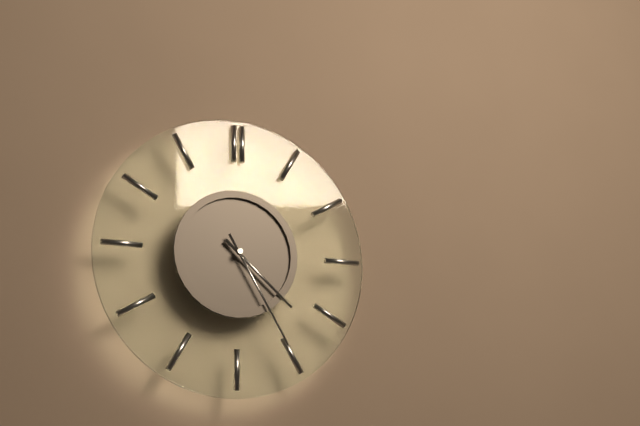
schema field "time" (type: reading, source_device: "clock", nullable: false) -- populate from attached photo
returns 4:25
